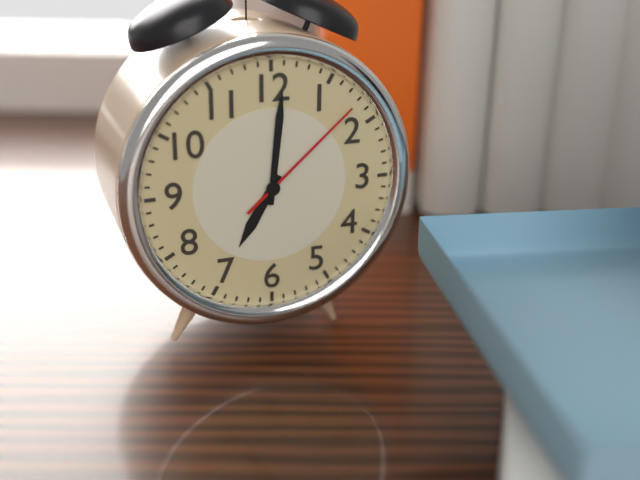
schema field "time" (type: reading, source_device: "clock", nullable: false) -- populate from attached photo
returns 7:01:08
